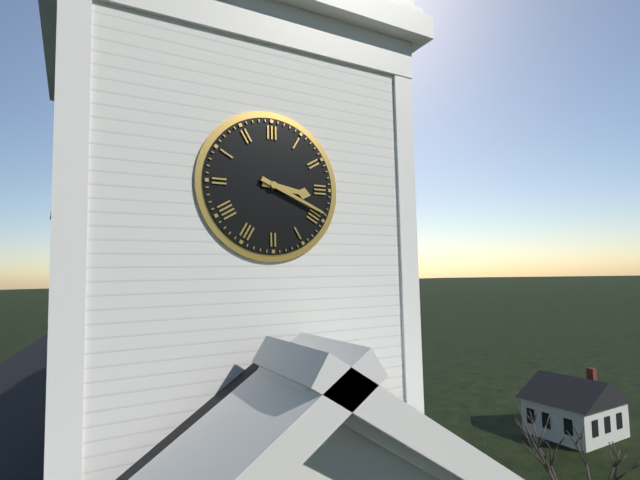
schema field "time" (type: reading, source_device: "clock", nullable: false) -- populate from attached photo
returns 3:19
